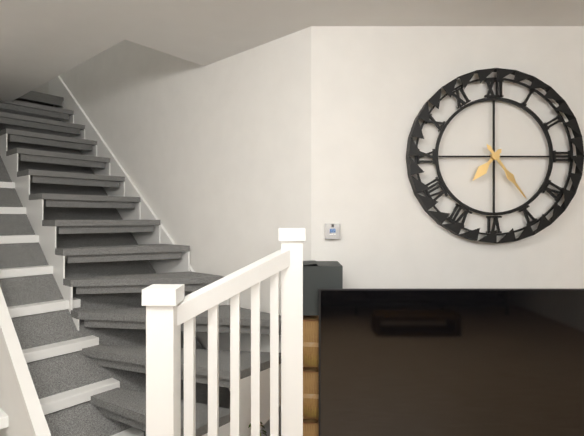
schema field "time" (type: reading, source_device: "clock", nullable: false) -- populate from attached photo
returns 7:24
